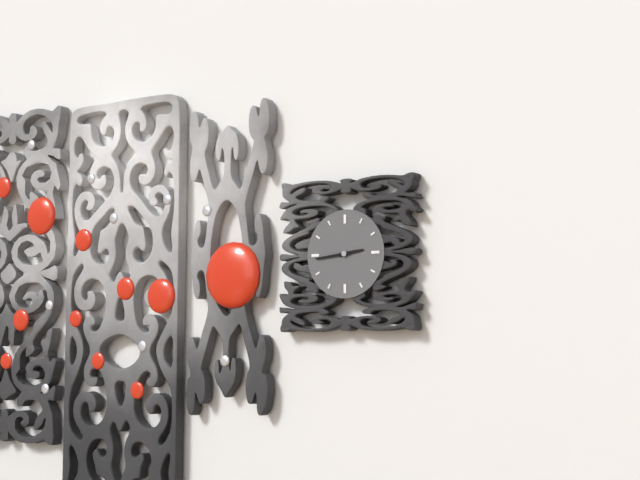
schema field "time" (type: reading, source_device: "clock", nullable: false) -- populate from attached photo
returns 2:44
